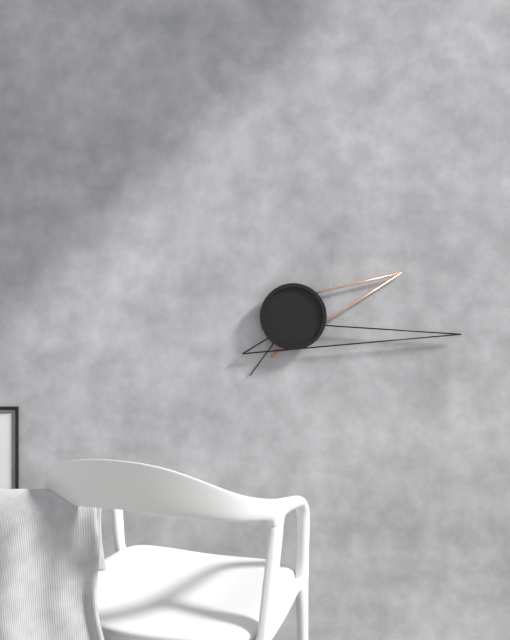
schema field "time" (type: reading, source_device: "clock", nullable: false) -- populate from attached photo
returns 2:16:36
